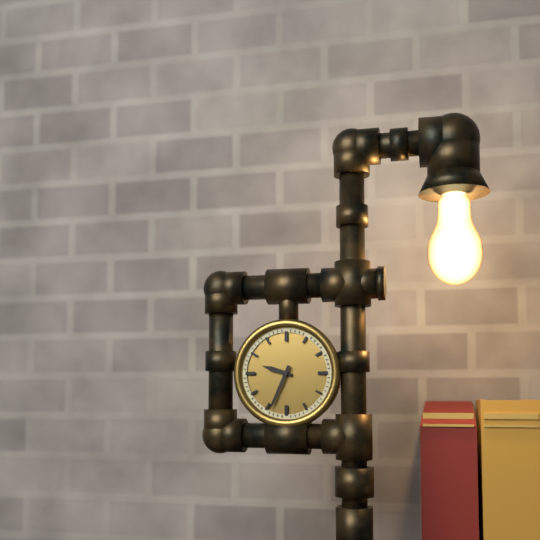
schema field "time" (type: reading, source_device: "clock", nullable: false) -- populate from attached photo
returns 9:34
